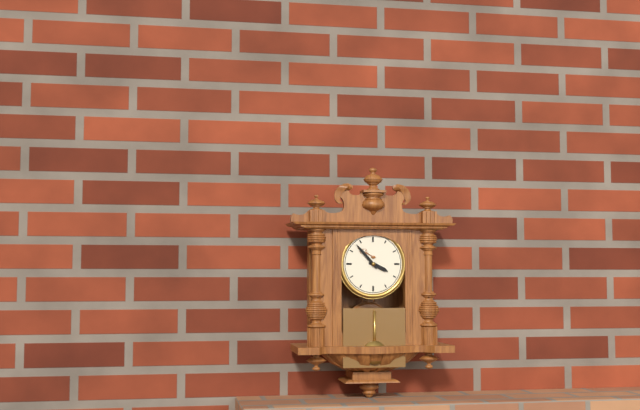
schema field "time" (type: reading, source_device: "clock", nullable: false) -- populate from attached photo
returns 3:53
